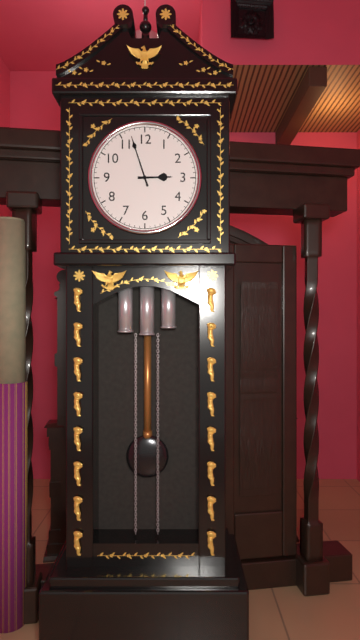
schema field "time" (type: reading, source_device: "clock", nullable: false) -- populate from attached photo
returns 2:57
